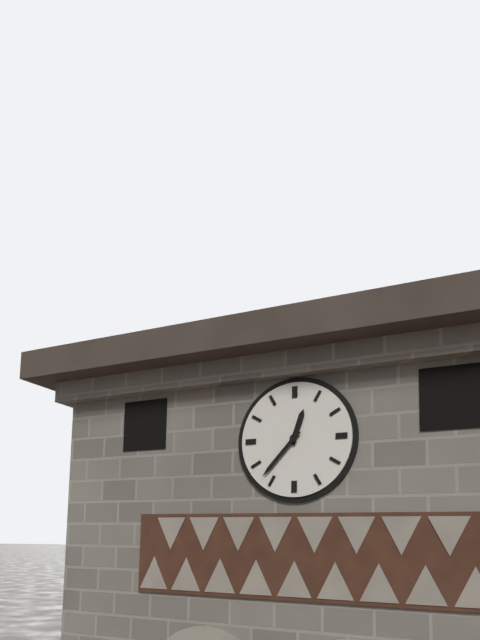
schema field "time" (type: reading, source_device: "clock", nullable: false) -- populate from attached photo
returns 12:37
